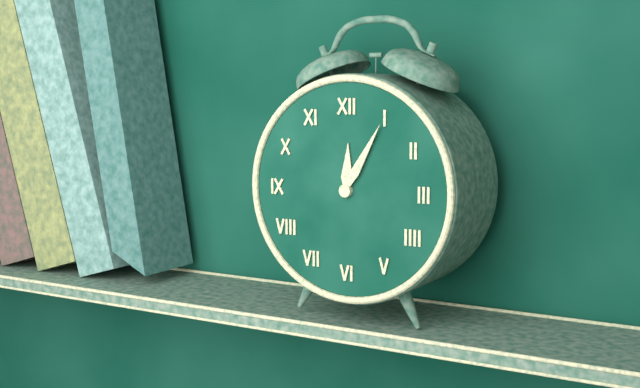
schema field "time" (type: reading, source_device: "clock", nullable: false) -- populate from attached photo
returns 12:05
